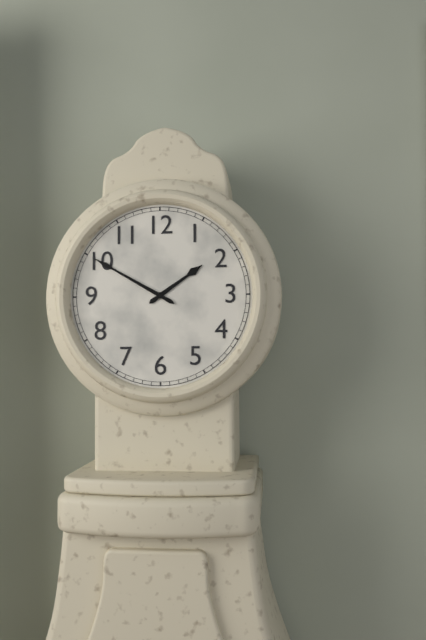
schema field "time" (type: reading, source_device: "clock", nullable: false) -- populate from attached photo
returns 1:50
